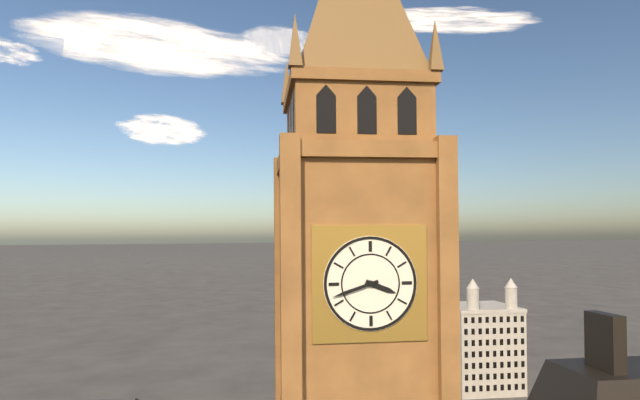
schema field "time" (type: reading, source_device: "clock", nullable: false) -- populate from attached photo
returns 3:42
